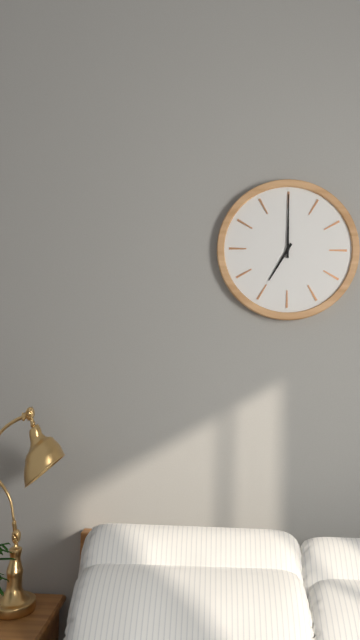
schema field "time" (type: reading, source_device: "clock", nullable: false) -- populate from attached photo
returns 7:00
